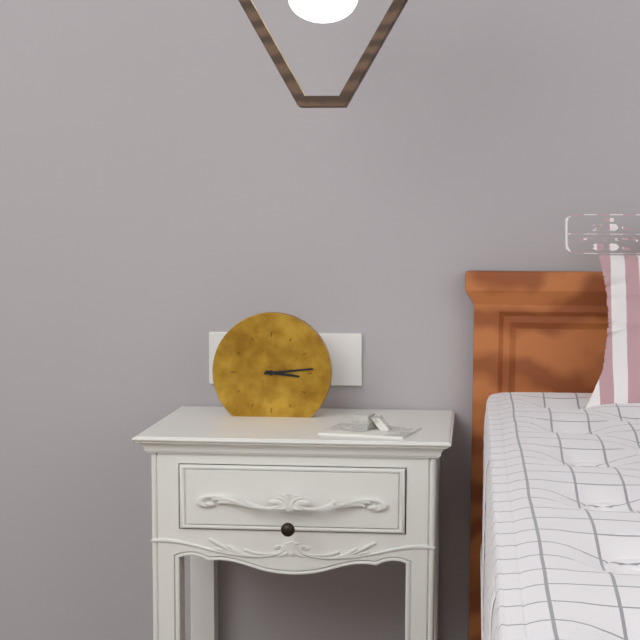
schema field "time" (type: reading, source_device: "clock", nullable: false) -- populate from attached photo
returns 3:14
